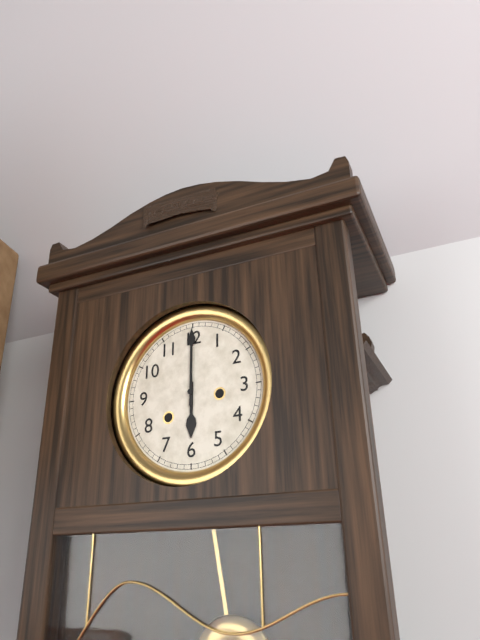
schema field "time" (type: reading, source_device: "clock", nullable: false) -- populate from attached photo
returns 6:00
